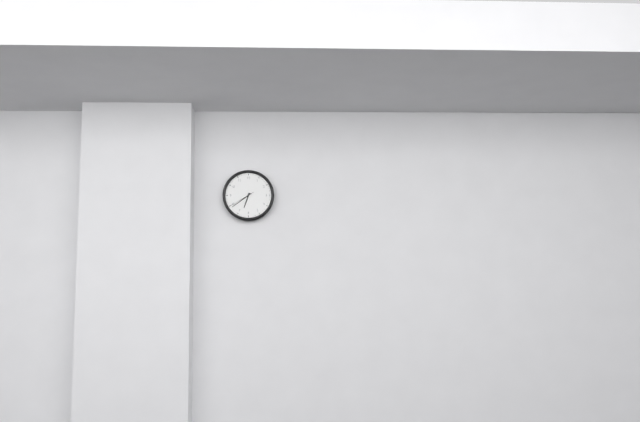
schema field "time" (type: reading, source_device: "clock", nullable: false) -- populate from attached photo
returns 6:39
